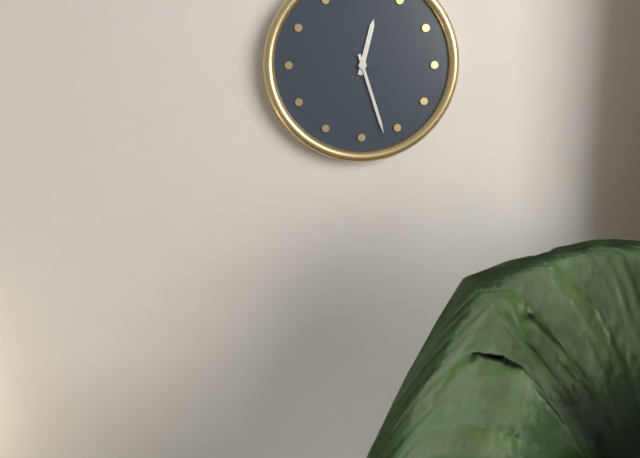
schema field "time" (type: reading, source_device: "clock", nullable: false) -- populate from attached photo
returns 12:27
